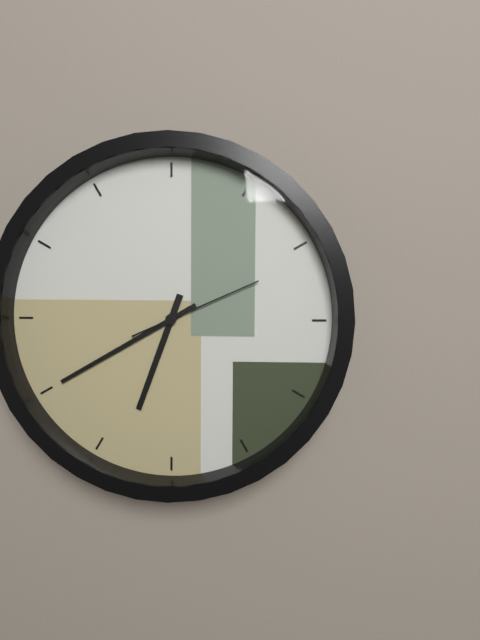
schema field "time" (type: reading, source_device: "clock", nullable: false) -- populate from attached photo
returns 6:40:11
